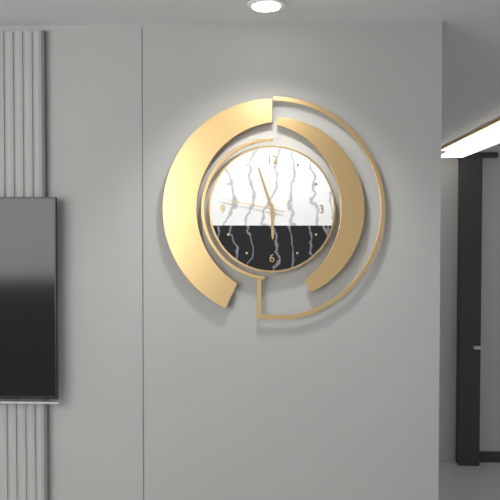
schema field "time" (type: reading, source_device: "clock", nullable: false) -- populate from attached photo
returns 5:57:47
